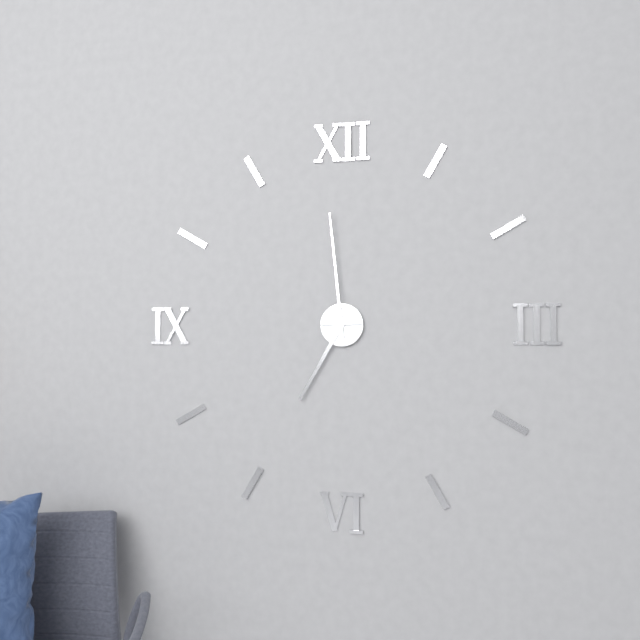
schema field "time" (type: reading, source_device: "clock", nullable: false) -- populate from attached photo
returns 6:59
